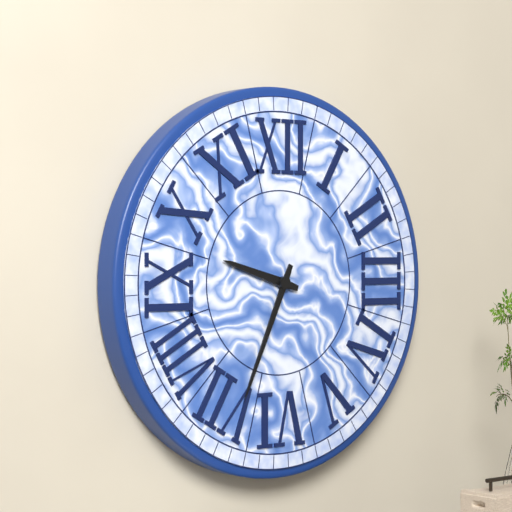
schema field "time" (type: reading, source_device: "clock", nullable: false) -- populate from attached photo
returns 9:34
